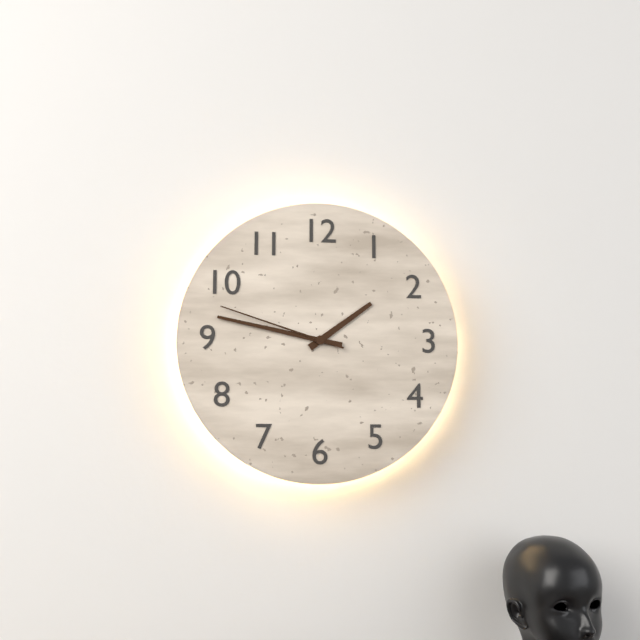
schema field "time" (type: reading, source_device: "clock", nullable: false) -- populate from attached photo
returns 1:47:48
